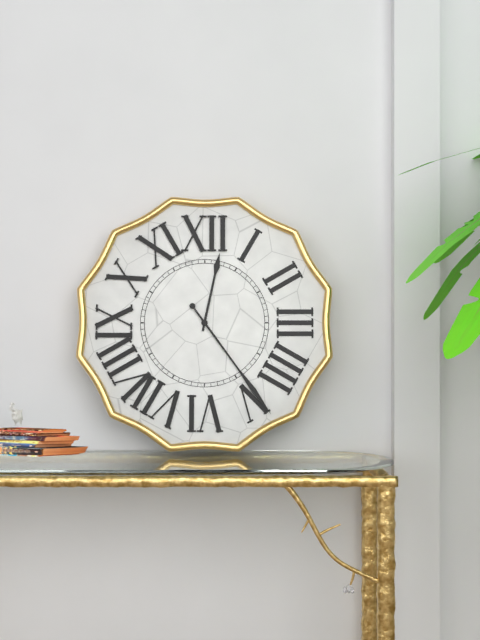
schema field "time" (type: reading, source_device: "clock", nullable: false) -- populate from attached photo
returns 12:24
